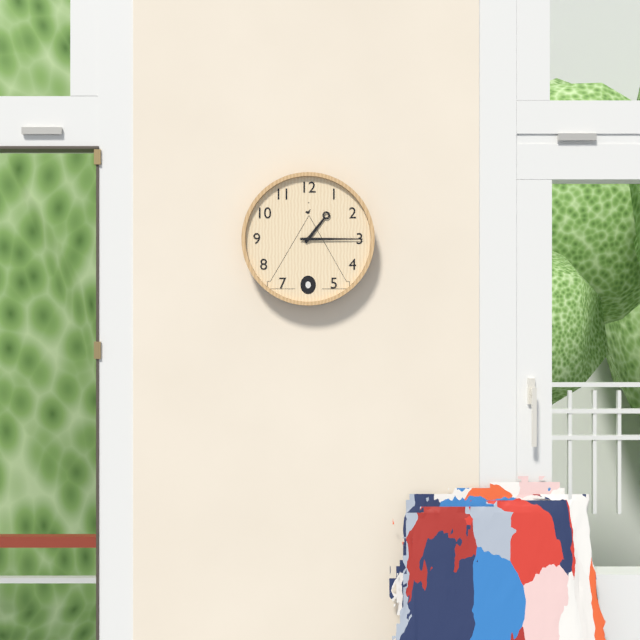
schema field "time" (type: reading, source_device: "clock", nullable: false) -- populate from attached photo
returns 1:15
